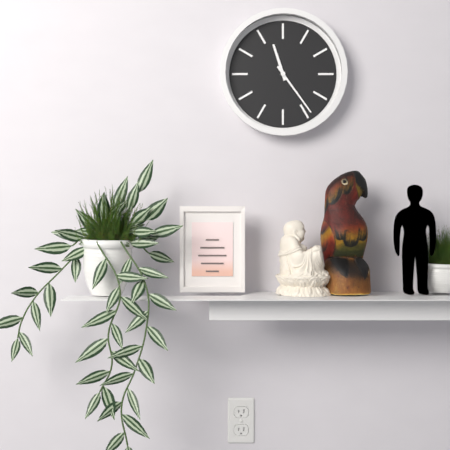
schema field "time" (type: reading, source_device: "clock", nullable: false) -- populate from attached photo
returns 11:24
